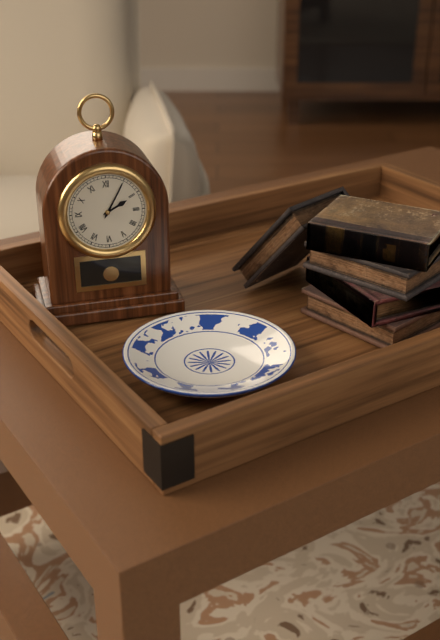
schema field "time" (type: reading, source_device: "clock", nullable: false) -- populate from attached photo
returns 2:05
